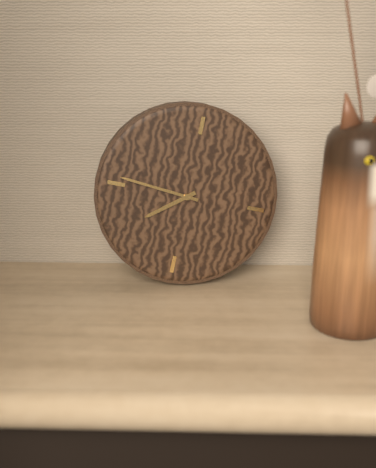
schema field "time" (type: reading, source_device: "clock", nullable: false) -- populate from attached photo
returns 7:46
